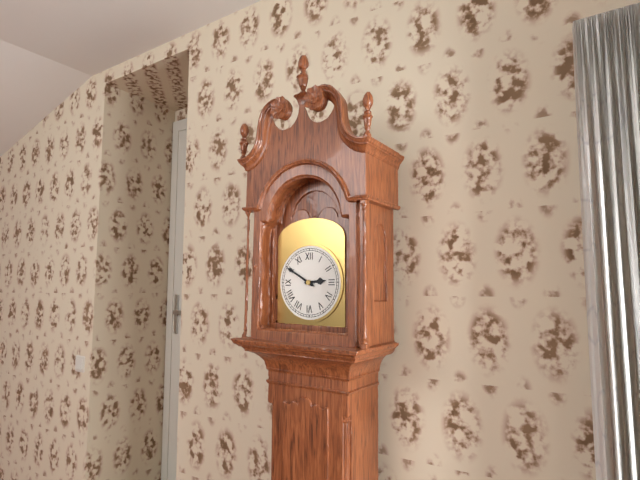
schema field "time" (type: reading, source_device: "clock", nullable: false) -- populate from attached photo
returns 2:50
